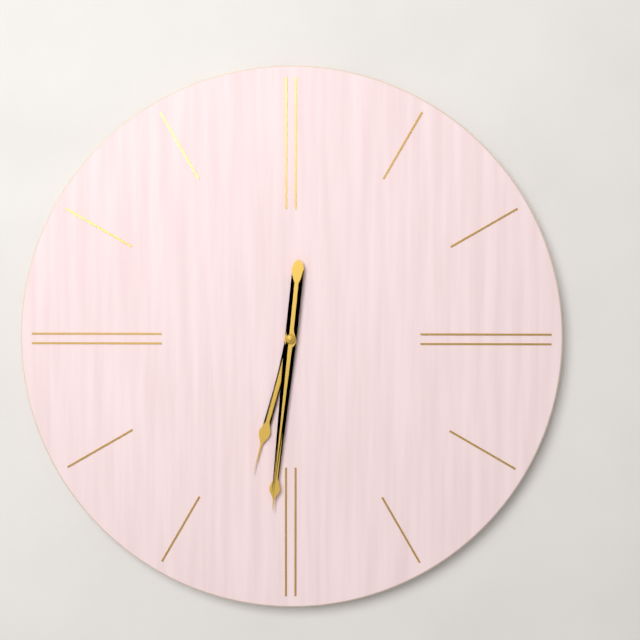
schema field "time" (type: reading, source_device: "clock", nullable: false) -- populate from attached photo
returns 6:31
